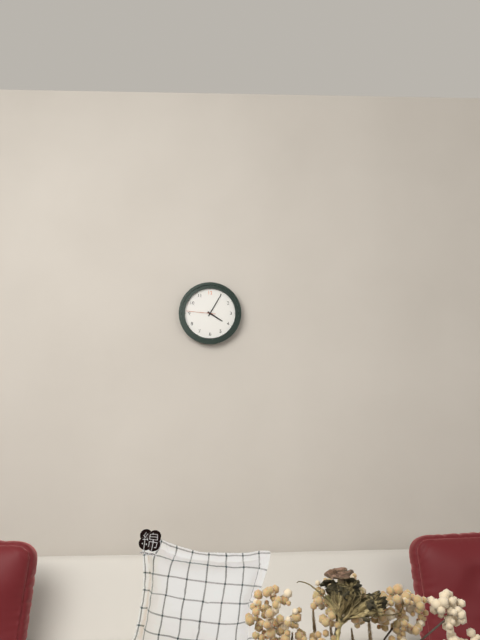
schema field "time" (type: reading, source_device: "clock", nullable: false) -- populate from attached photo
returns 4:05
